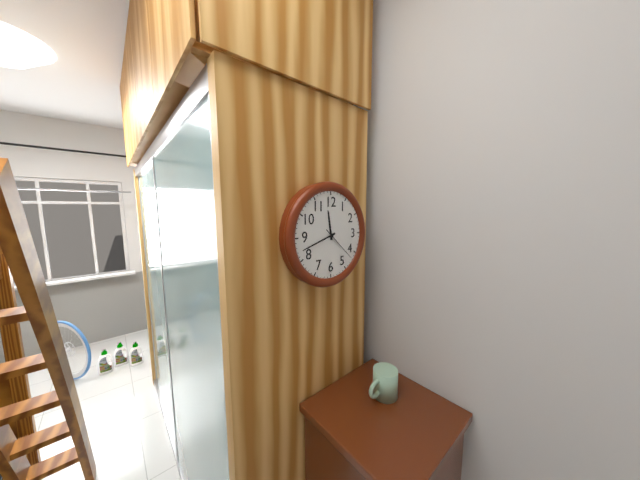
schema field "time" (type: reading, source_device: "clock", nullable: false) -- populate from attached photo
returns 11:42
